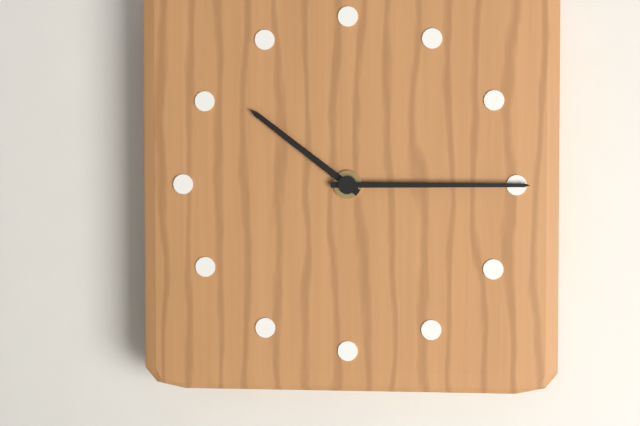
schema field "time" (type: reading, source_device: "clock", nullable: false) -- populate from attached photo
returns 10:15
